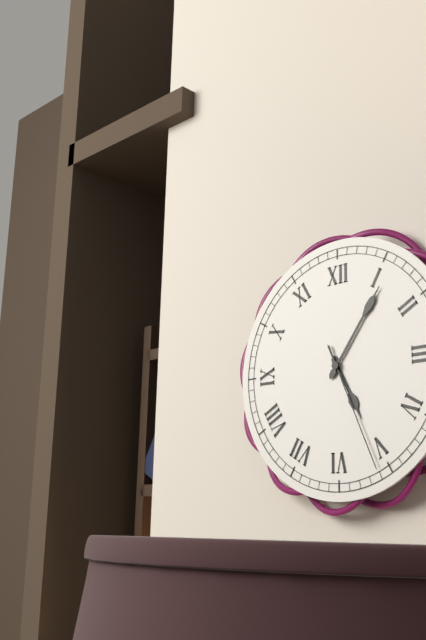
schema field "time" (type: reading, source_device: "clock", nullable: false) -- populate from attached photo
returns 5:06:26
